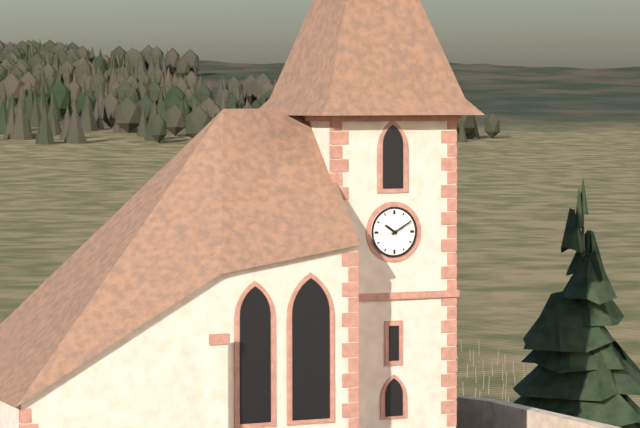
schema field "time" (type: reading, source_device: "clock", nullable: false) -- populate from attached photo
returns 10:10
